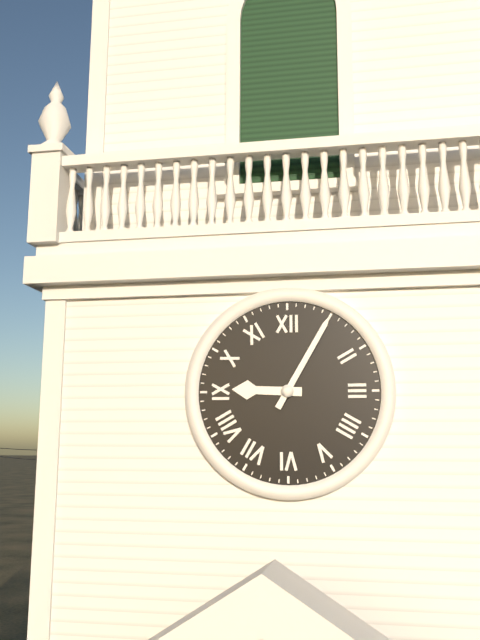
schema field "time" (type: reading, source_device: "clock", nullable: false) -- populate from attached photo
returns 9:05
